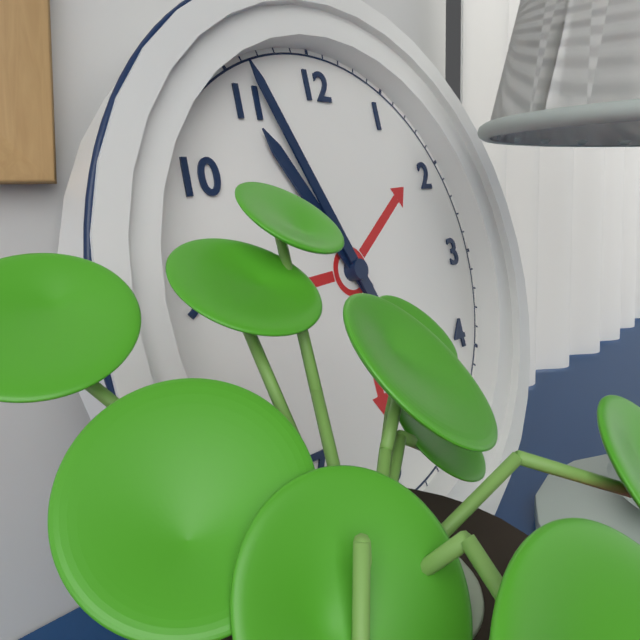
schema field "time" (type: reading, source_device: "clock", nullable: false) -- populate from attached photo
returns 10:56
